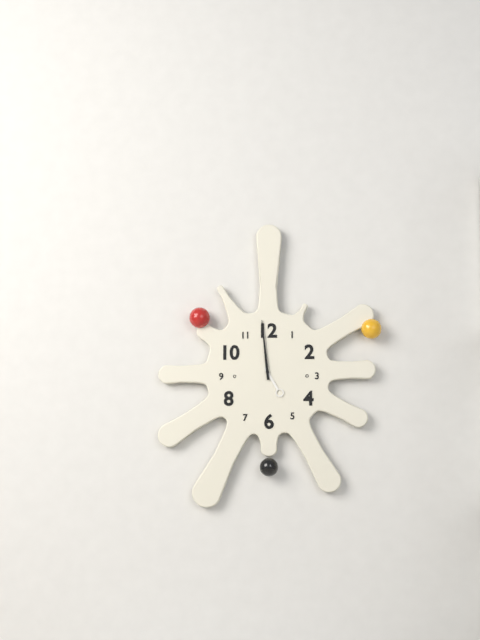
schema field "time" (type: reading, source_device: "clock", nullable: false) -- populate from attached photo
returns 4:59
